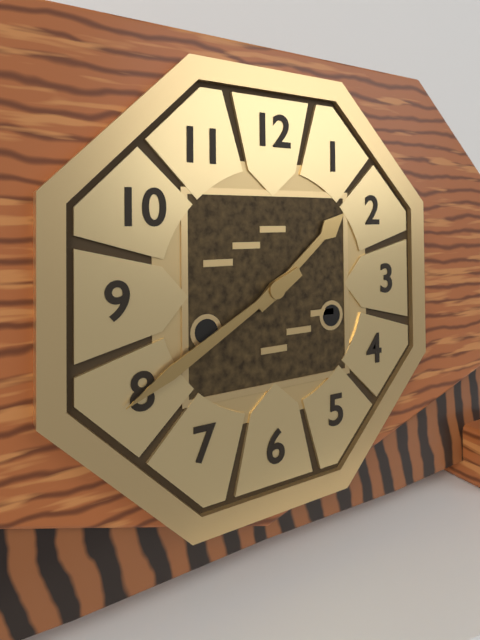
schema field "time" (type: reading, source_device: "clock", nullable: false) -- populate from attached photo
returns 1:40
